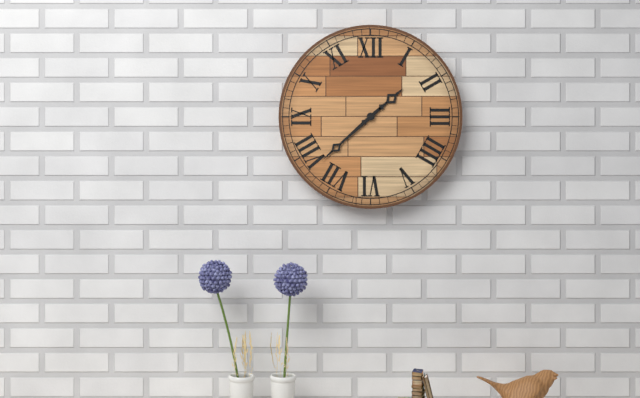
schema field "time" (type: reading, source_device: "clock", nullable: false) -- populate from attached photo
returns 1:38
